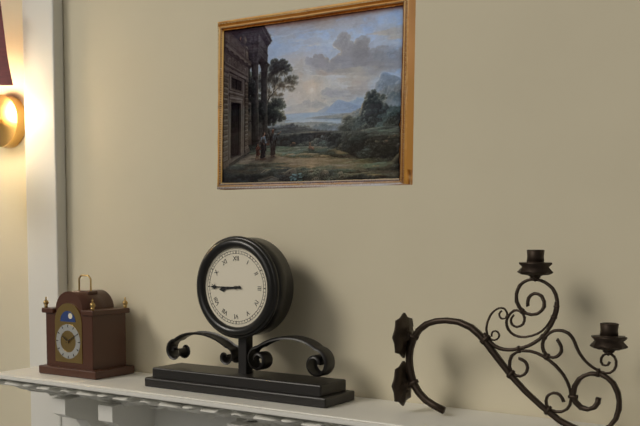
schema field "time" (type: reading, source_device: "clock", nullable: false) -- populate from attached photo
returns 8:45
